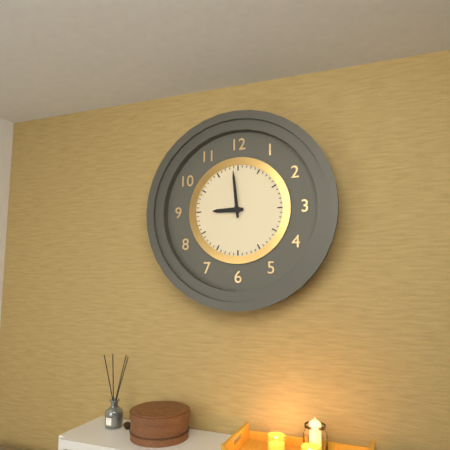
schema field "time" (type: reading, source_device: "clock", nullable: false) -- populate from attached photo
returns 8:59
